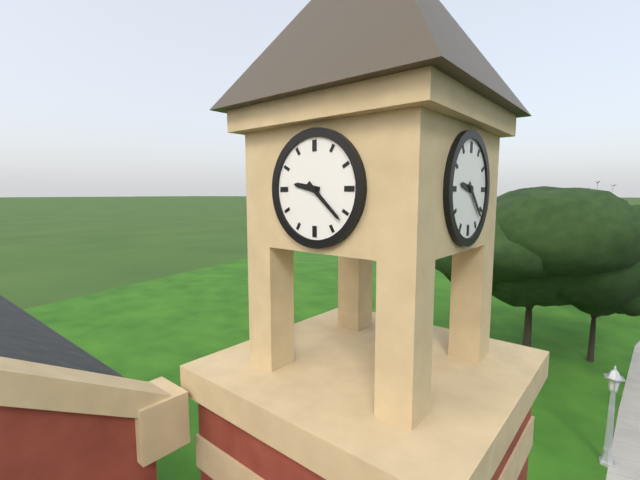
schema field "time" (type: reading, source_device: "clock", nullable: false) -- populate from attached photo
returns 9:22
